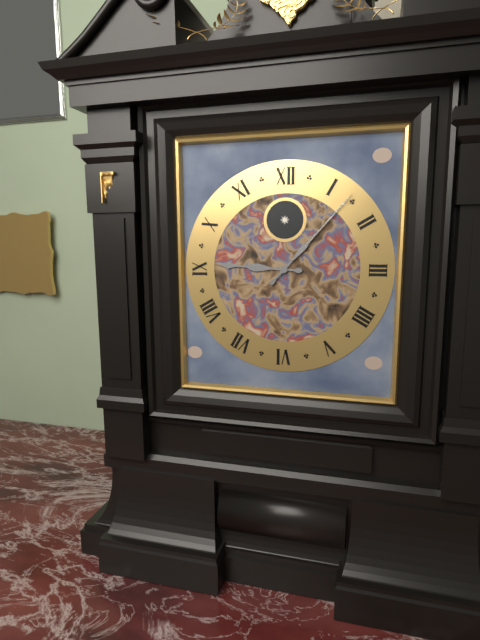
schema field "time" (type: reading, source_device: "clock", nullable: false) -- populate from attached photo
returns 9:07
